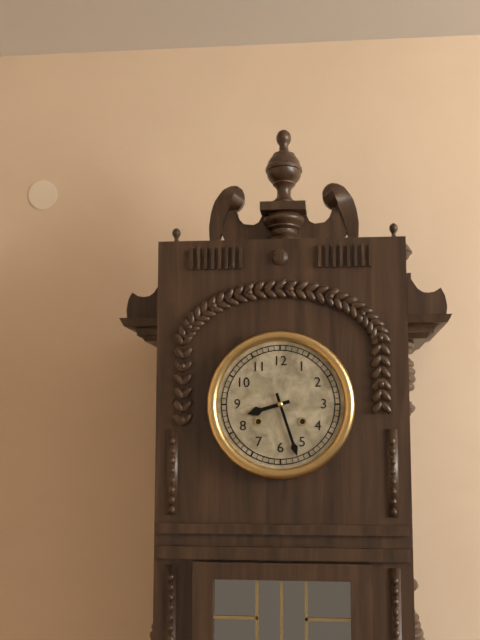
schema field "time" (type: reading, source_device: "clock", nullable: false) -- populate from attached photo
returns 8:27
